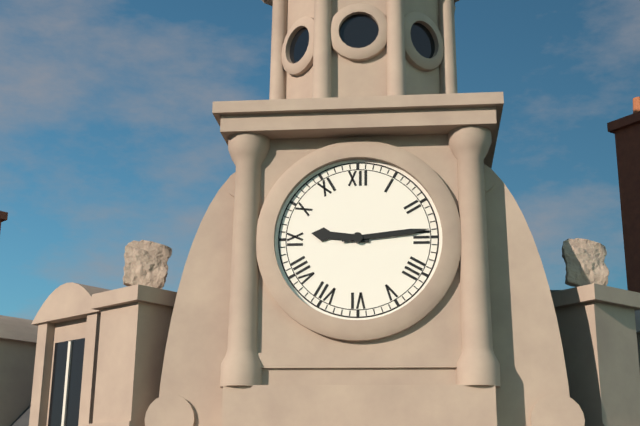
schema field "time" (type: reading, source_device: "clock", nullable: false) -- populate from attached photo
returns 9:14
